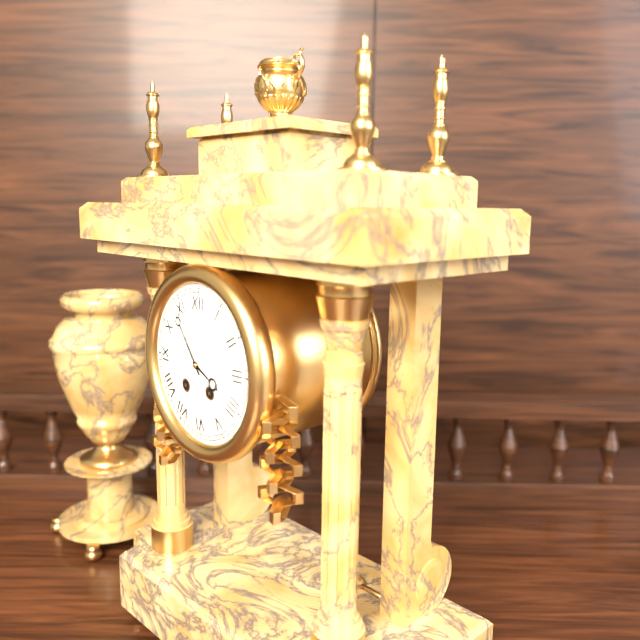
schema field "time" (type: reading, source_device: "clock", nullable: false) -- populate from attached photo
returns 3:54
